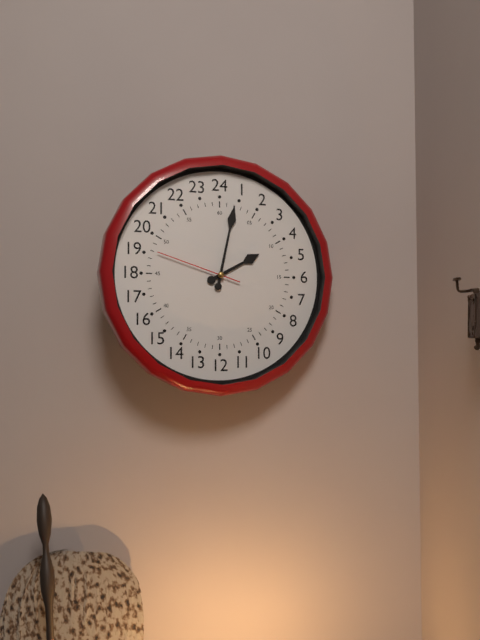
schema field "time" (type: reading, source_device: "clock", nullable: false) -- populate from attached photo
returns 2:02:48
